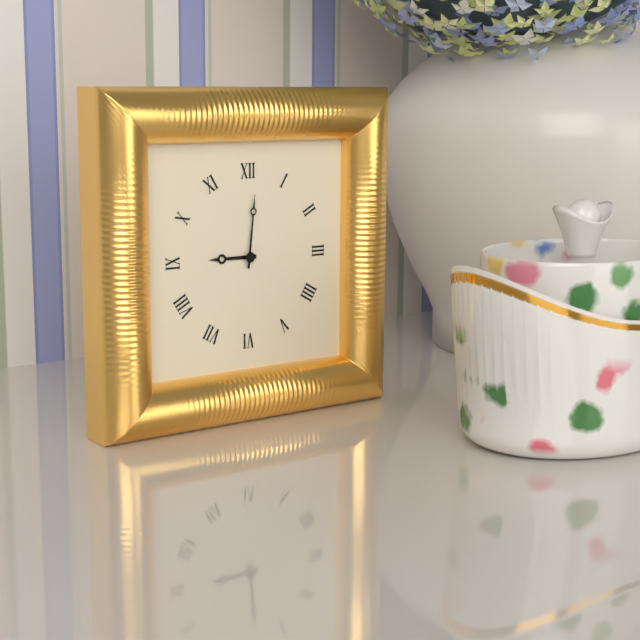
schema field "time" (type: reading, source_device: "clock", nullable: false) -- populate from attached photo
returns 9:01
